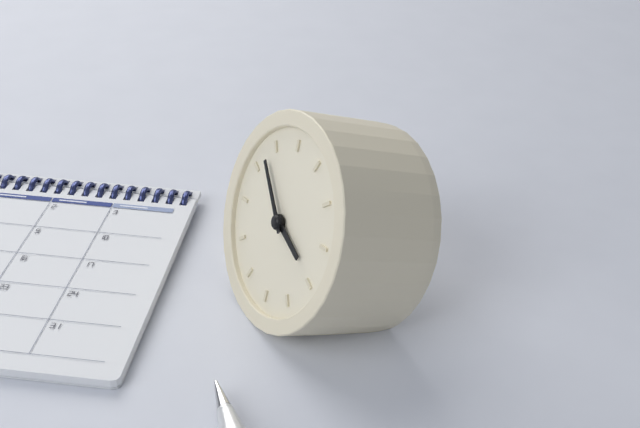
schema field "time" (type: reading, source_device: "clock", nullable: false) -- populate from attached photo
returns 3:53
